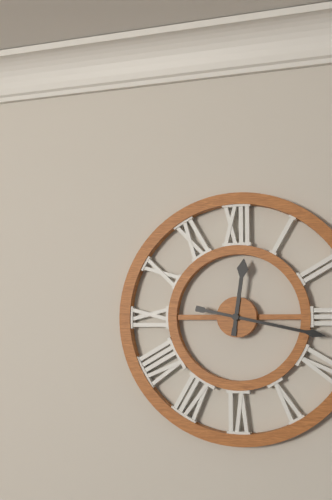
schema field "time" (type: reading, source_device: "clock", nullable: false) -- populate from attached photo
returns 12:17
